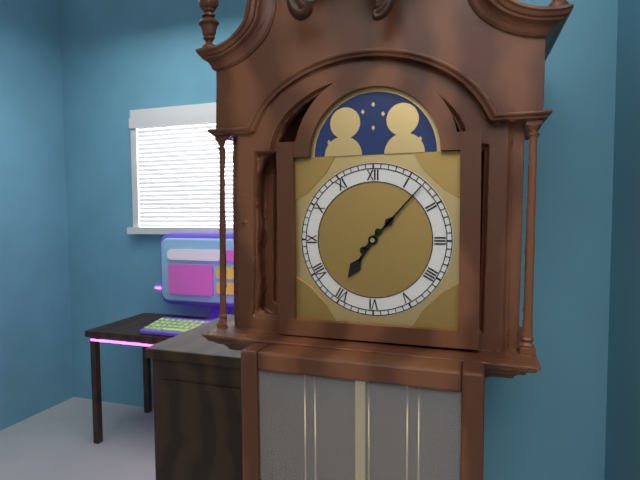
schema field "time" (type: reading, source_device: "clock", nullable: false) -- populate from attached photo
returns 7:07
